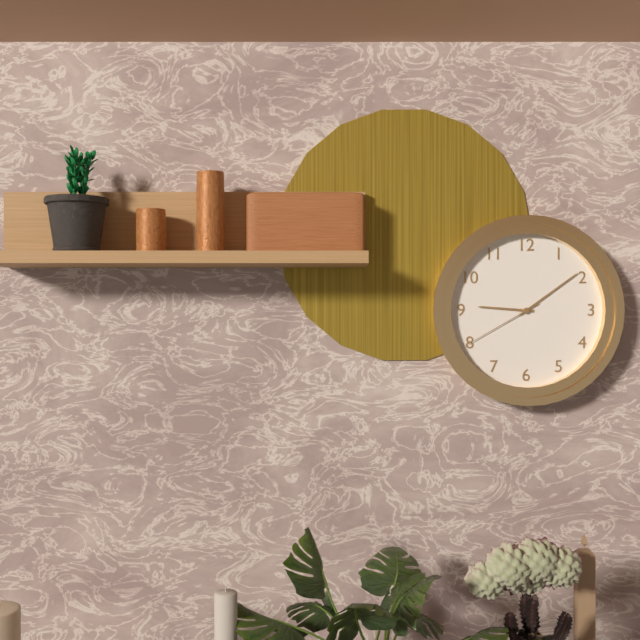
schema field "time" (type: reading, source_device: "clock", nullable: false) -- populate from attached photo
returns 9:09:40
